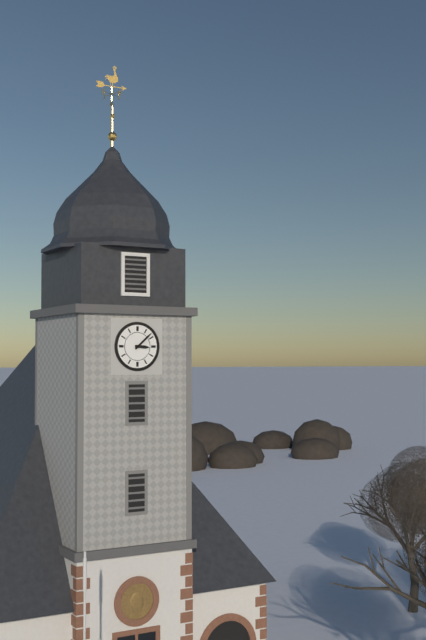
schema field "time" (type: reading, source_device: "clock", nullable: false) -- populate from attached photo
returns 3:08
